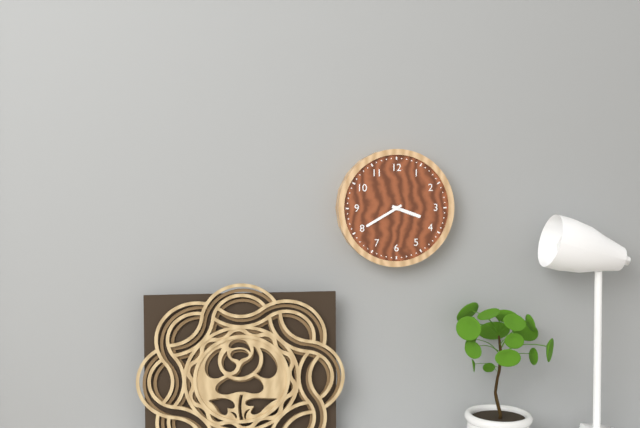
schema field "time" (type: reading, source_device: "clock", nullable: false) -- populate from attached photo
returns 3:40
